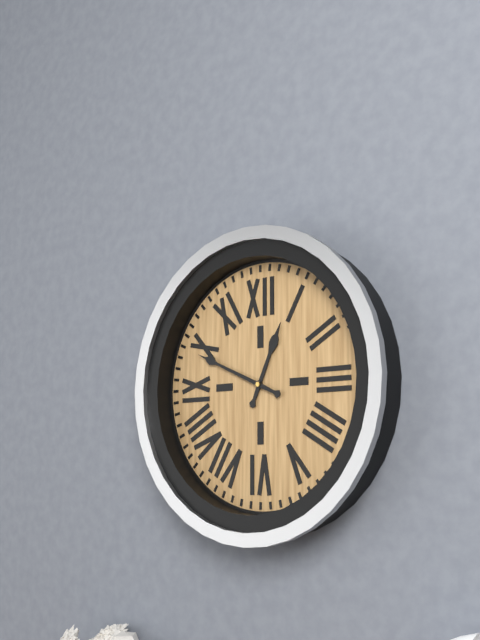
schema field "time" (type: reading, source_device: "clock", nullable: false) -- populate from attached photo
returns 12:49
